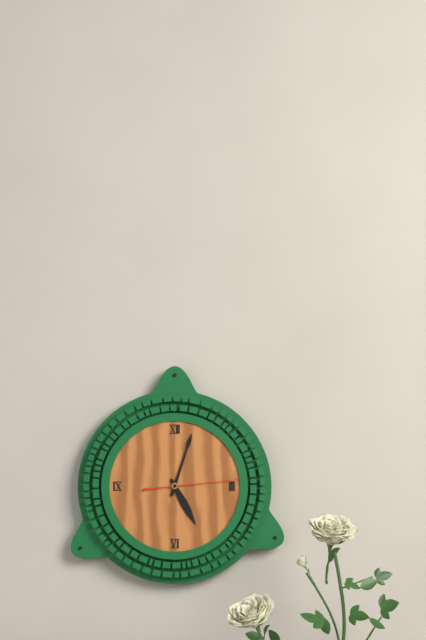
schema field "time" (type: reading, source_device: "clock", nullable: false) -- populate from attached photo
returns 5:03:14
